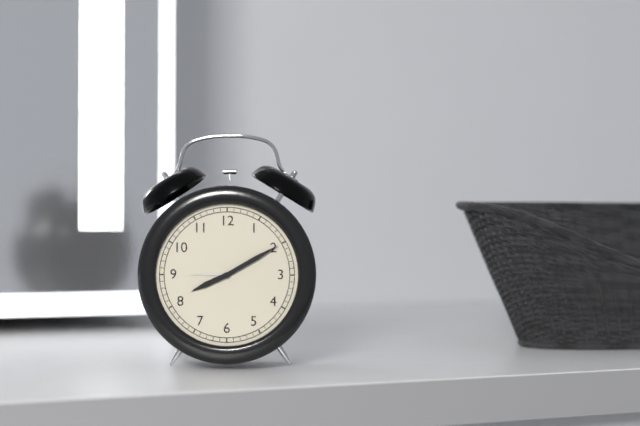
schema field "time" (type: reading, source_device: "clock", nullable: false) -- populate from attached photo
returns 8:10
